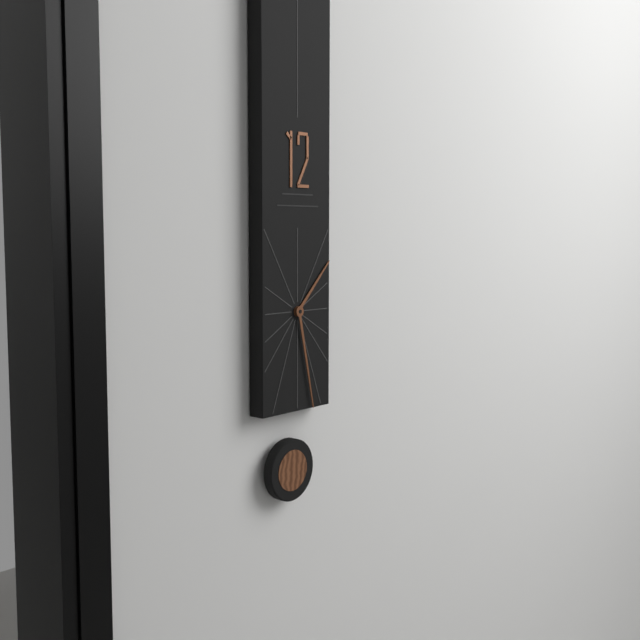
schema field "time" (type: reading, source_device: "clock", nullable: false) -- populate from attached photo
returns 1:28
